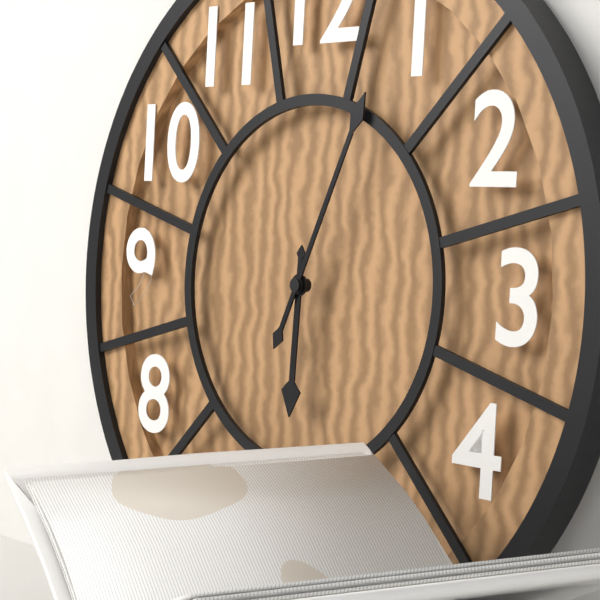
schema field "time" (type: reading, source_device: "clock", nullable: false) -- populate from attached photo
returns 6:04
